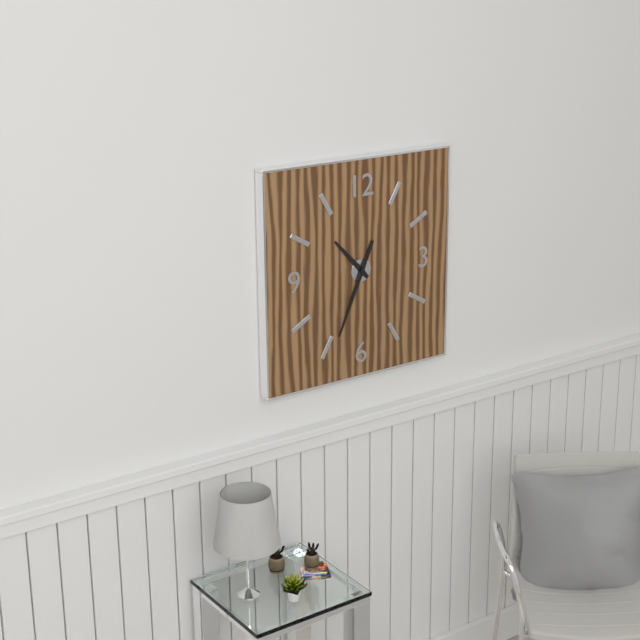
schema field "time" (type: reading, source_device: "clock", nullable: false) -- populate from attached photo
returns 10:34
